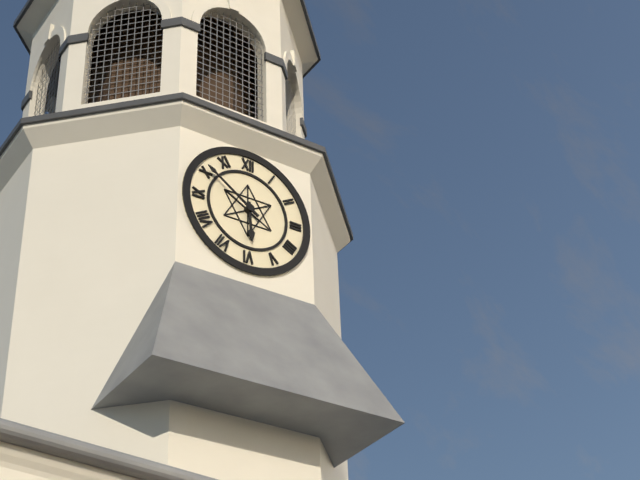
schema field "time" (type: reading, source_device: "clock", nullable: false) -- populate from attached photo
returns 5:51
